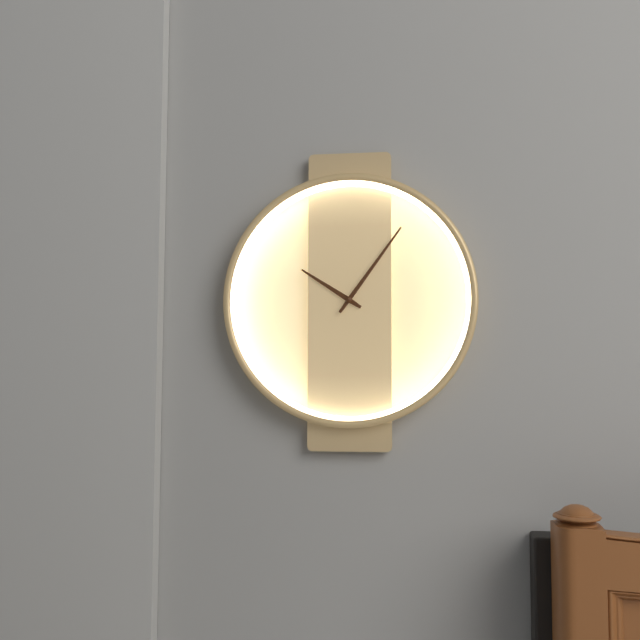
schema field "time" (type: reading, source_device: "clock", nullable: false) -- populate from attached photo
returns 10:06
